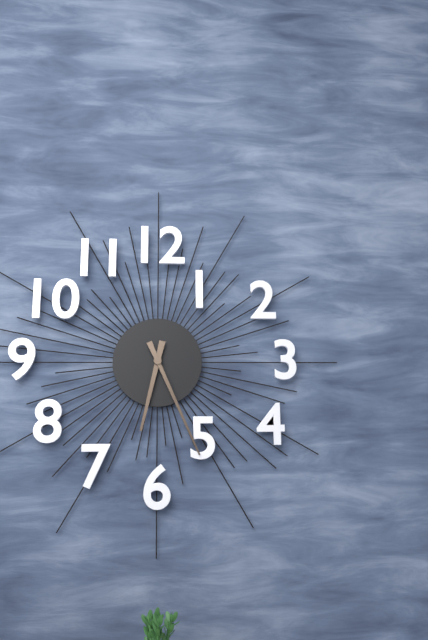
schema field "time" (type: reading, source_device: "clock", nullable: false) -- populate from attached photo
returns 6:26
